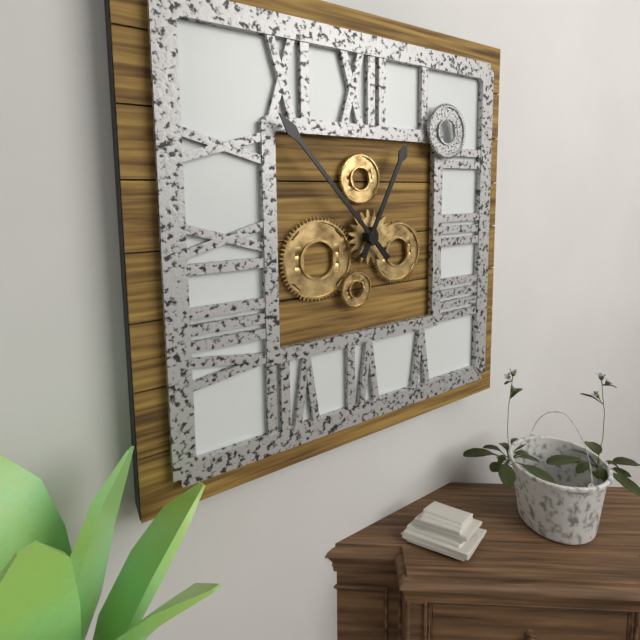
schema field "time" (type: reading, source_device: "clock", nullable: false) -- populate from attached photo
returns 12:53
